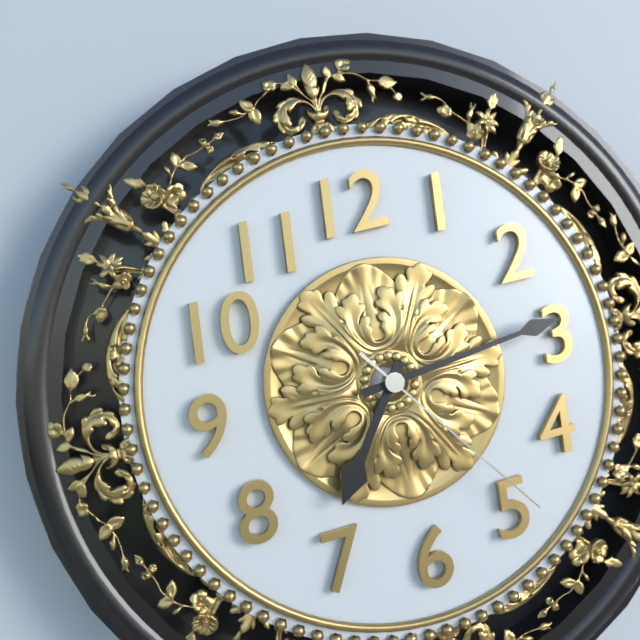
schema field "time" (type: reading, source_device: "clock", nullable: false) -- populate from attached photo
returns 7:14:24
